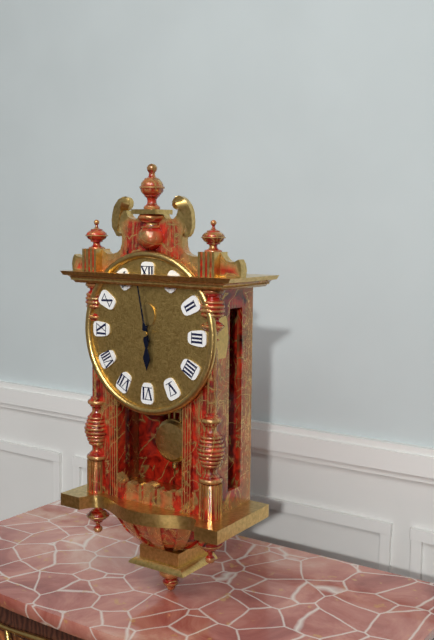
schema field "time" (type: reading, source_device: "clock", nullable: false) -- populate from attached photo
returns 5:58
